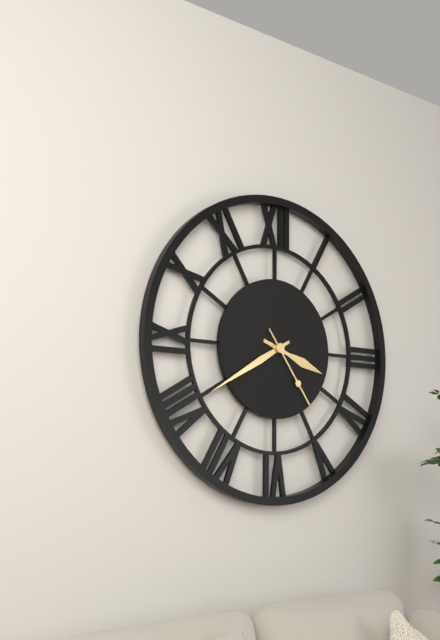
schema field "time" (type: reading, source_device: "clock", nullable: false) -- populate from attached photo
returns 3:40:24
